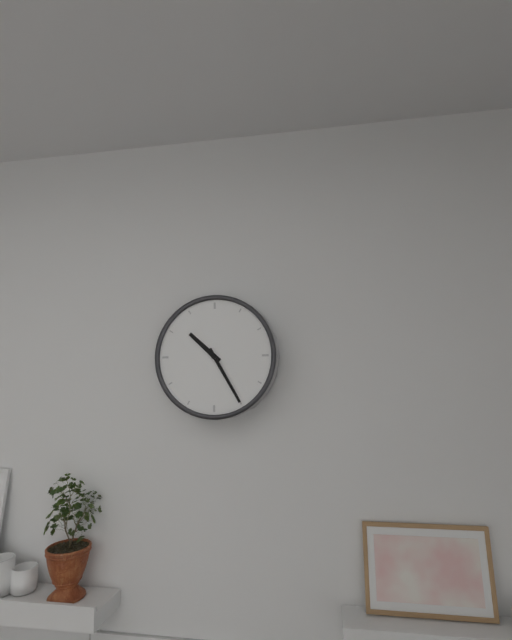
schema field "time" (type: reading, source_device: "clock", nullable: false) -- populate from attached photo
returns 10:25
